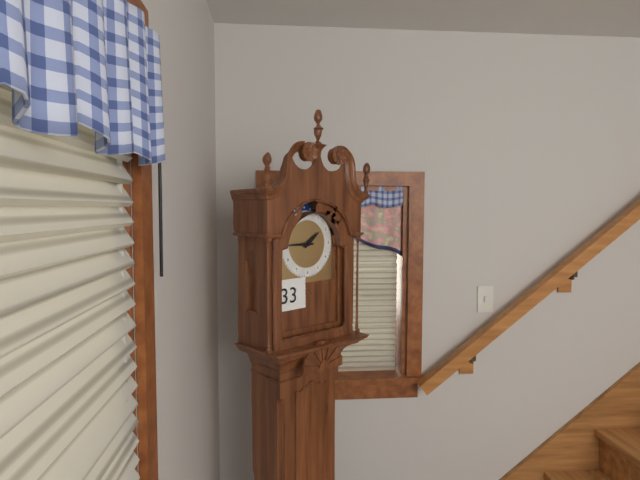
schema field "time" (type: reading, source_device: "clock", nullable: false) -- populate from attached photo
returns 1:45
